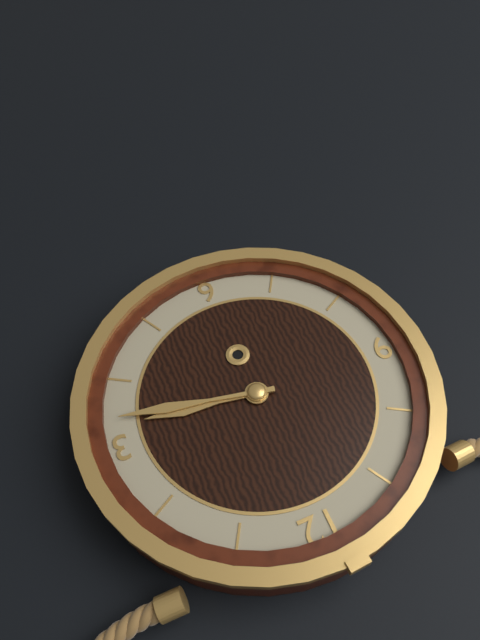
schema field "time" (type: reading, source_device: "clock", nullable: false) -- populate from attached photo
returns 3:17
